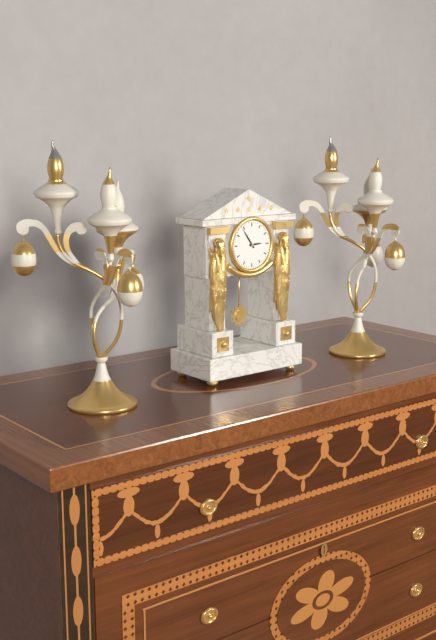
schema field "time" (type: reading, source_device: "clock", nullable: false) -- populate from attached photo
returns 2:54
